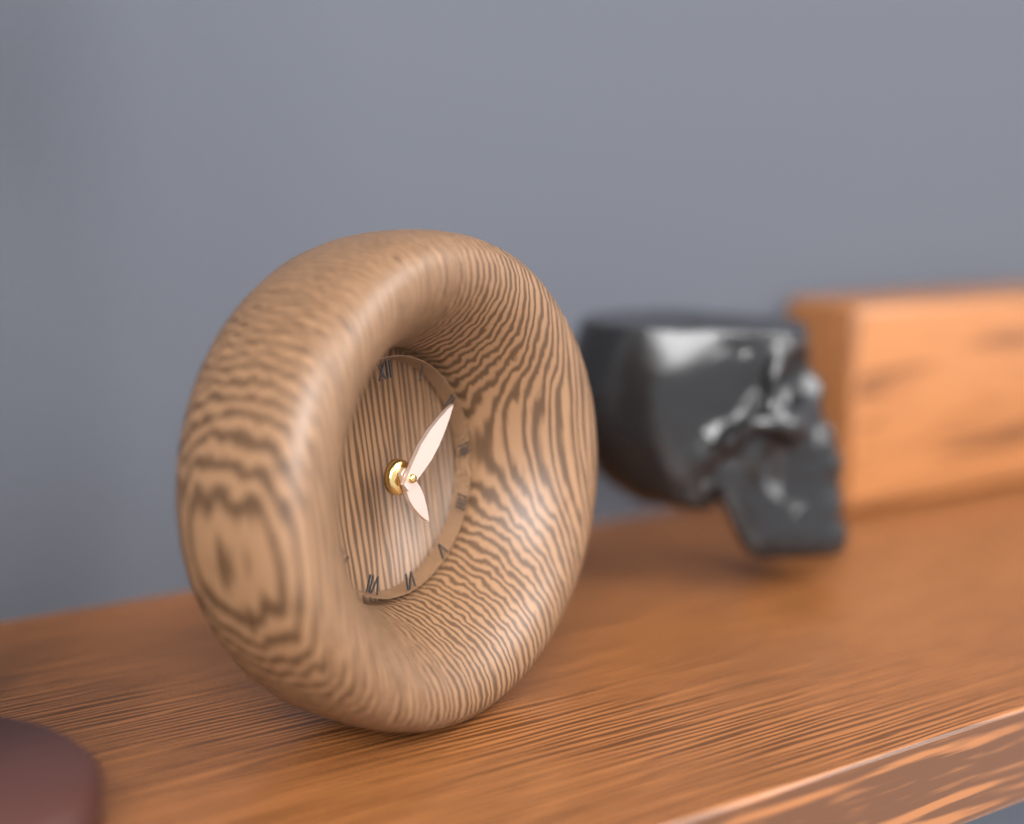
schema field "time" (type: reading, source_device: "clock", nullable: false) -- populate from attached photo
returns 5:09
